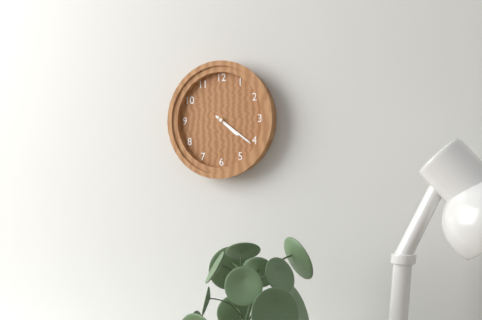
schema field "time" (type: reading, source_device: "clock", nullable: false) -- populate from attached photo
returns 4:21
